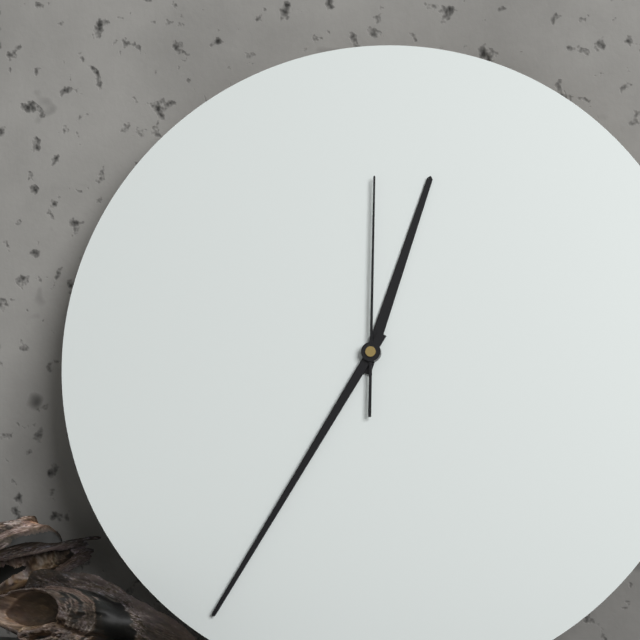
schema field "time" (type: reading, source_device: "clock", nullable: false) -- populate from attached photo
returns 12:35:00
